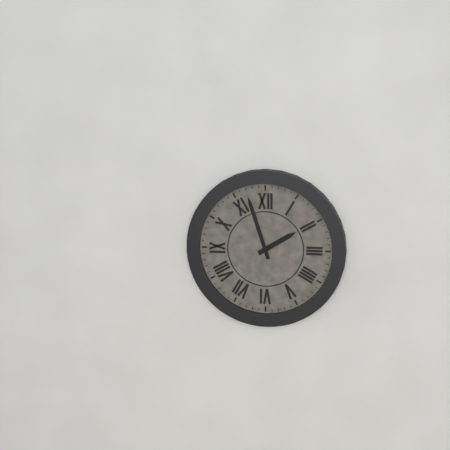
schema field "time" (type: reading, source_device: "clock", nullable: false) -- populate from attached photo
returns 1:57
